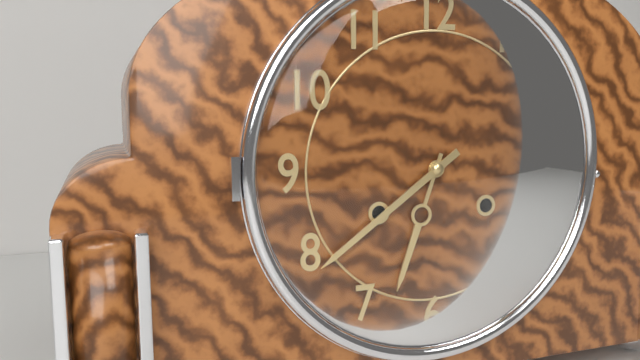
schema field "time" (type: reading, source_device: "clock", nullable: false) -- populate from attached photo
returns 6:39
